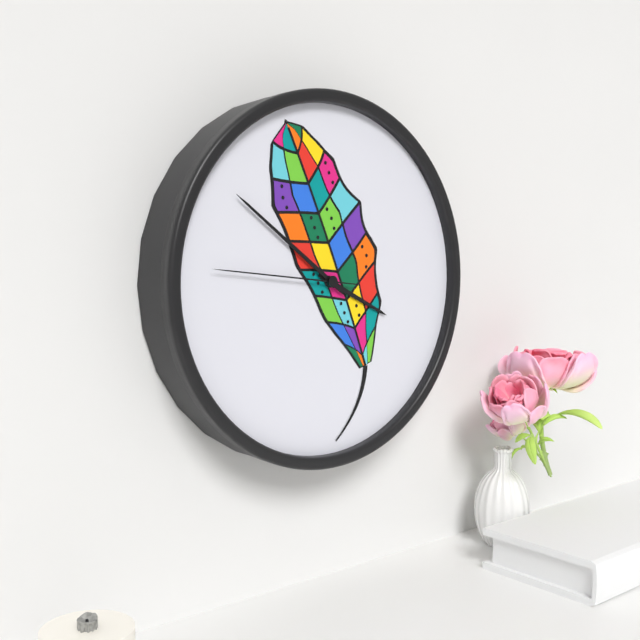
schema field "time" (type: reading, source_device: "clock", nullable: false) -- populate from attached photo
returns 3:51:46
